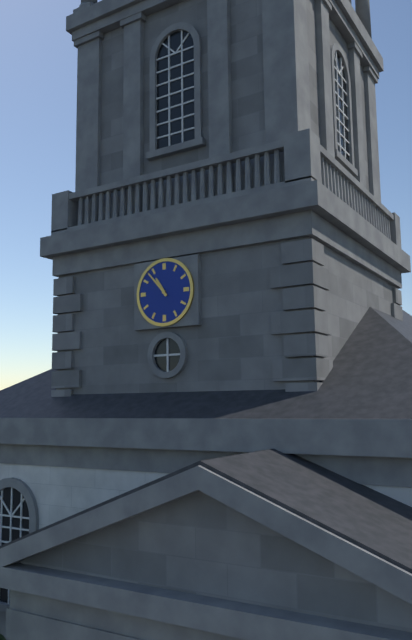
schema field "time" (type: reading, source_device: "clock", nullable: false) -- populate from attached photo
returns 10:53
